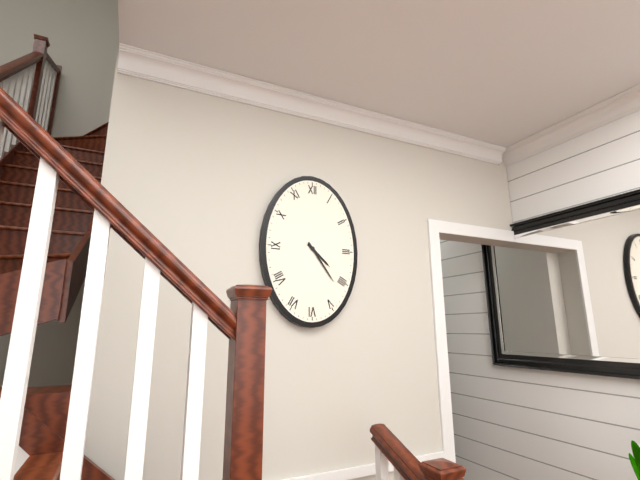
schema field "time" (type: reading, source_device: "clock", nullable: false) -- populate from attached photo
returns 4:24
